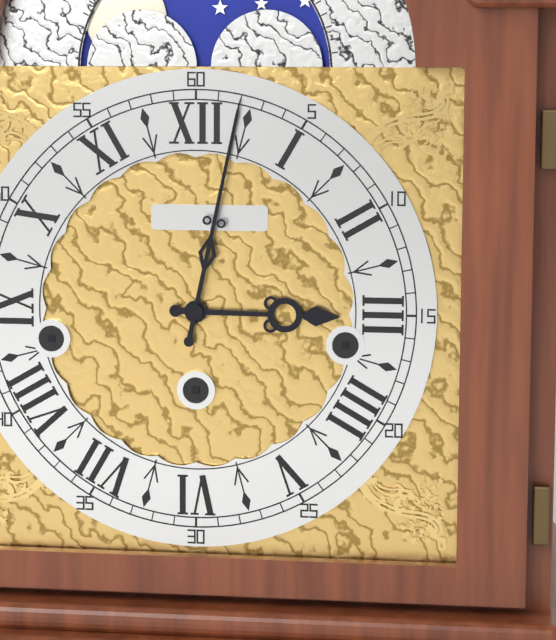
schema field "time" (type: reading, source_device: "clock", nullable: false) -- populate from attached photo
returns 3:02
